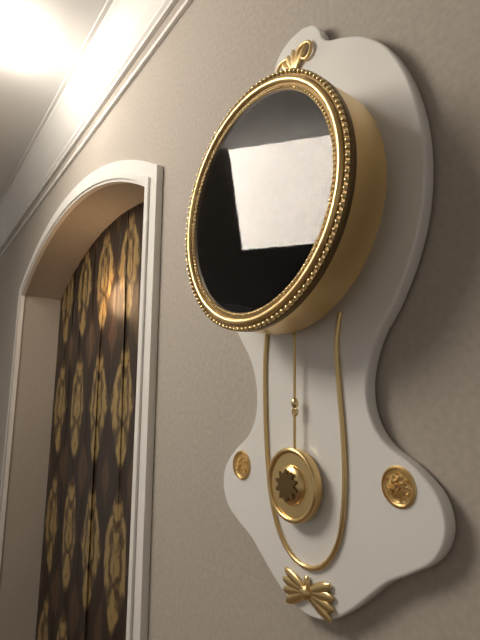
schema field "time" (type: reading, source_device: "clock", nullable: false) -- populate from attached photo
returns 10:11
